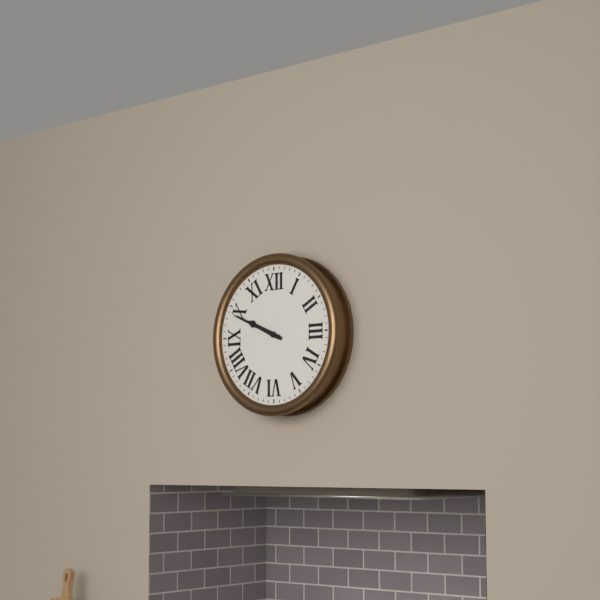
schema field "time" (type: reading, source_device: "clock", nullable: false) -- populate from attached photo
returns 9:49
